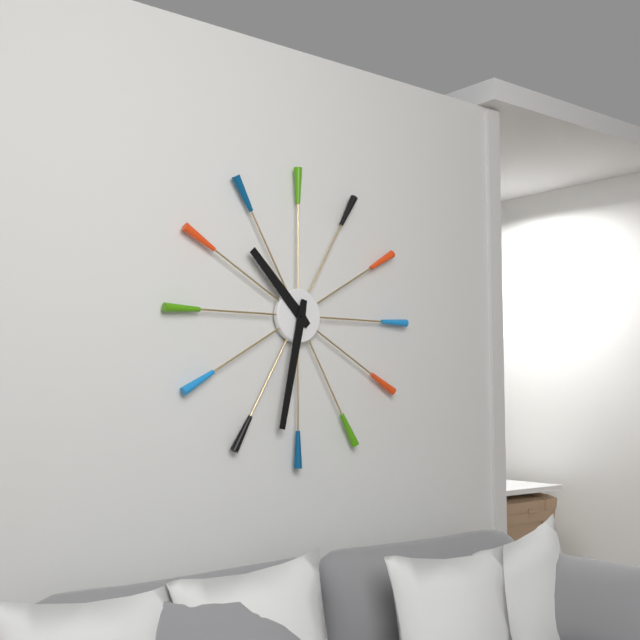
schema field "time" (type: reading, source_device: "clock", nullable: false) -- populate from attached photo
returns 10:32
